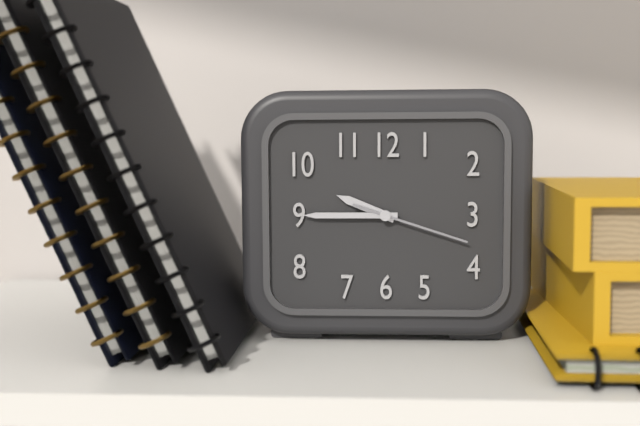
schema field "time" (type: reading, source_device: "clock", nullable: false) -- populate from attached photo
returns 9:45:18
